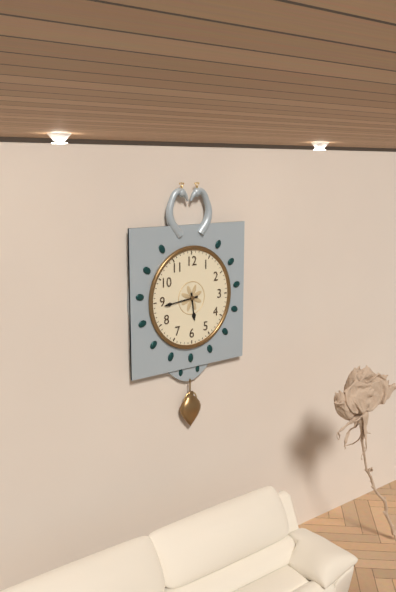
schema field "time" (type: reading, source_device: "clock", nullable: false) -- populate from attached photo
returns 5:44
